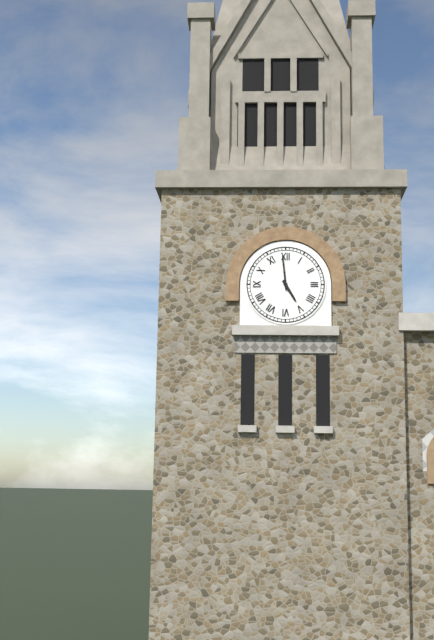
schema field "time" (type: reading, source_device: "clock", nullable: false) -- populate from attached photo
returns 4:59
